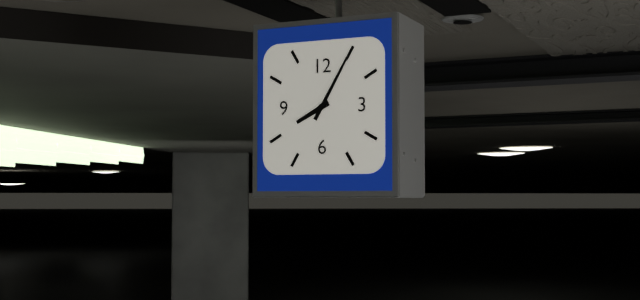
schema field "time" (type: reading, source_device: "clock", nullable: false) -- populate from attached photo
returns 8:05
